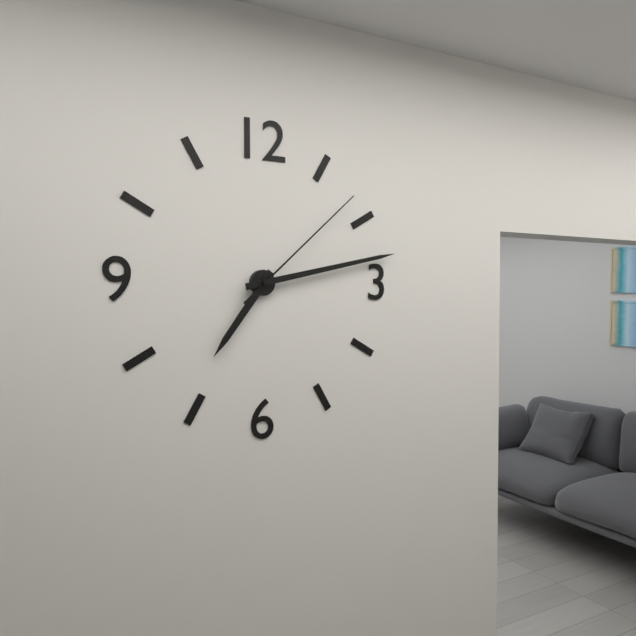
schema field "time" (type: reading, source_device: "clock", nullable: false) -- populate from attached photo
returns 7:13:08
